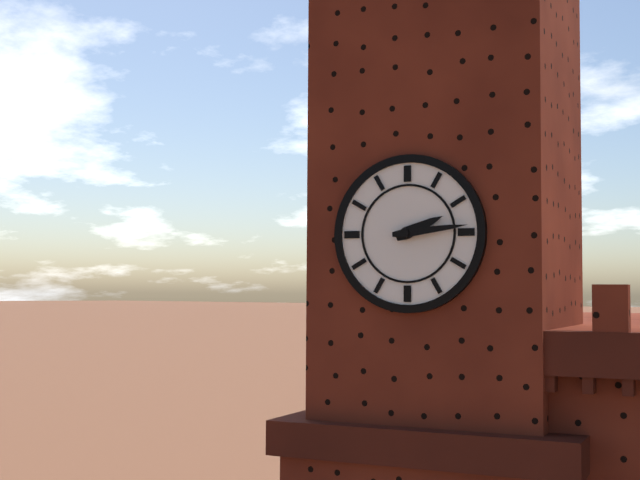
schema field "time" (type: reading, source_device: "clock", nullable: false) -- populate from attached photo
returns 2:14
